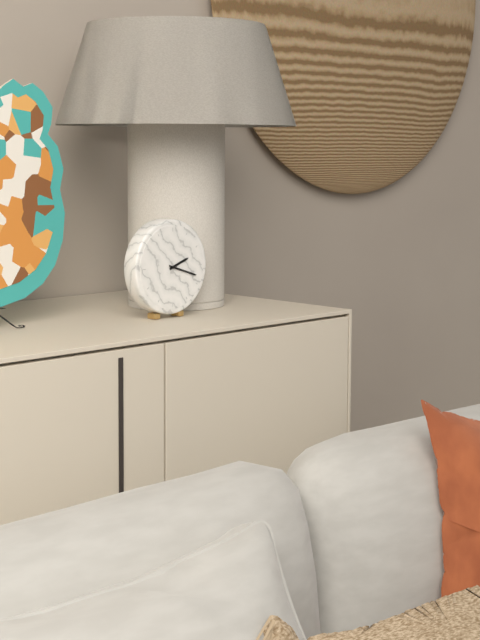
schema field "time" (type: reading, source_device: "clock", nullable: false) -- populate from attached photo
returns 2:18
